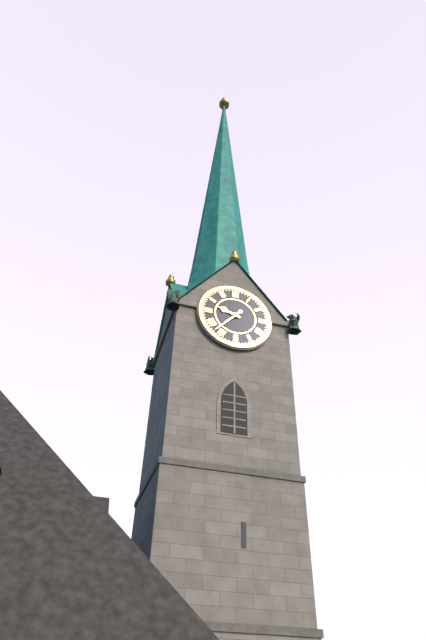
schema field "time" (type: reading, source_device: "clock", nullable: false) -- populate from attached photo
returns 9:37
